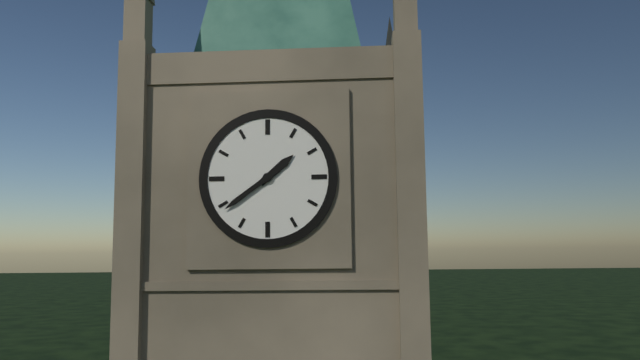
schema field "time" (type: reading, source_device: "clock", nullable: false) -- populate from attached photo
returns 1:39
